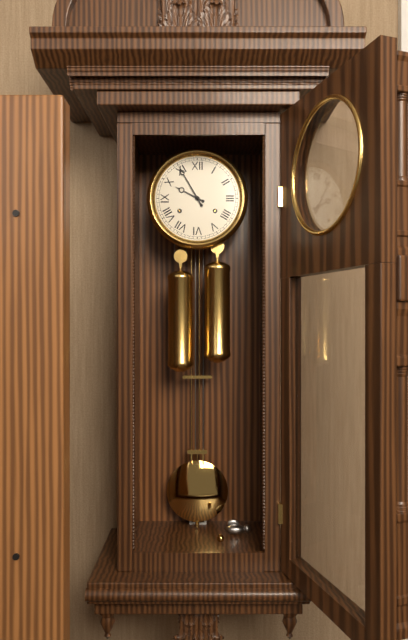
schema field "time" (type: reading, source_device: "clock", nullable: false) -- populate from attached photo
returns 9:55
